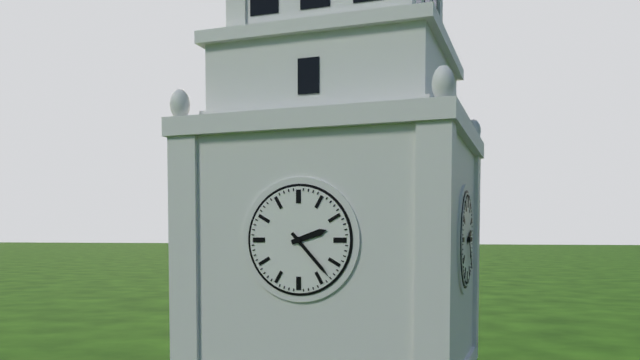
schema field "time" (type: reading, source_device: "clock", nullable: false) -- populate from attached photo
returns 2:23
